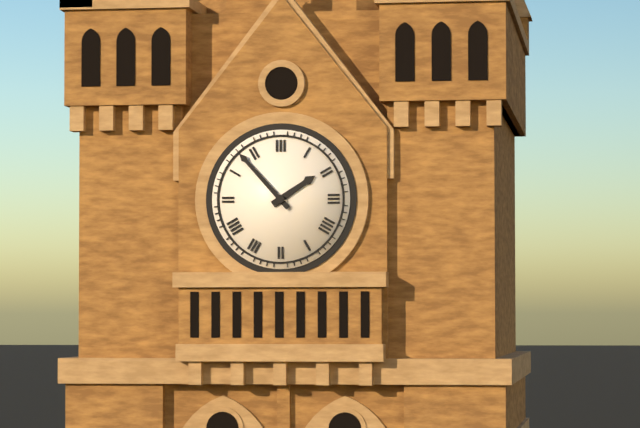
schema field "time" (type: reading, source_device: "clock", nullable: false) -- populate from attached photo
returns 1:53
